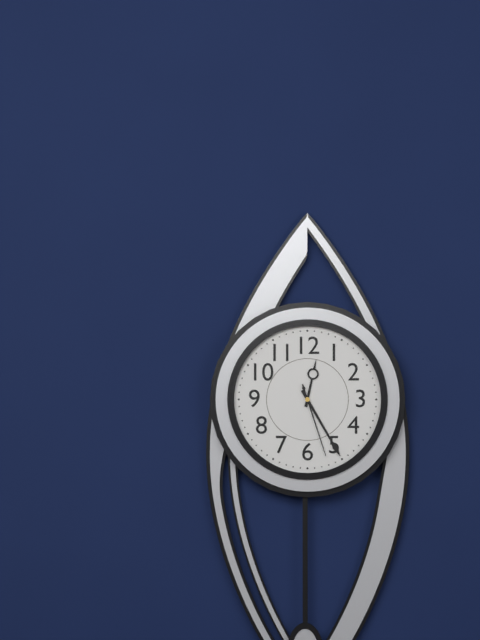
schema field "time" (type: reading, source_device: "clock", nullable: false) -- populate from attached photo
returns 12:25:27
